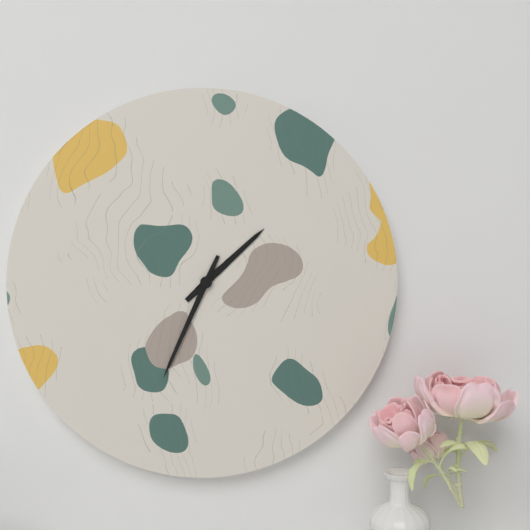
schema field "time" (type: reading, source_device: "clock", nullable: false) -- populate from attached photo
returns 1:34
